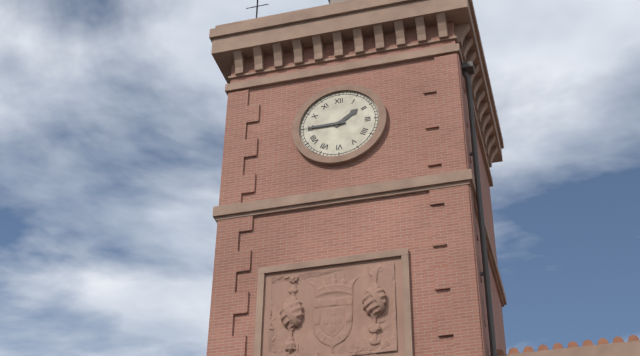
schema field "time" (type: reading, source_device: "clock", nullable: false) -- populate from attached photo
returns 1:45
